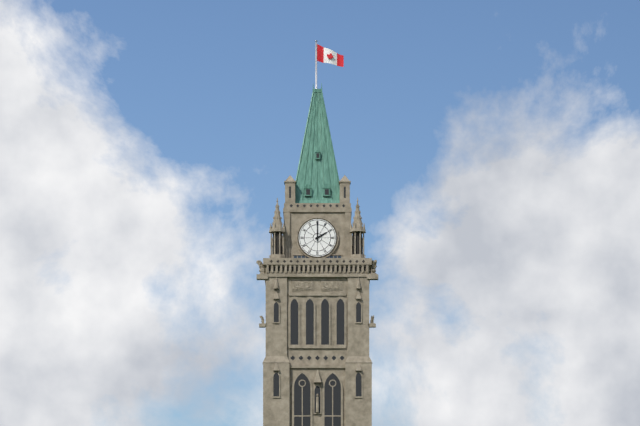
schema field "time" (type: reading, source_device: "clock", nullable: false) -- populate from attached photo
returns 2:00
